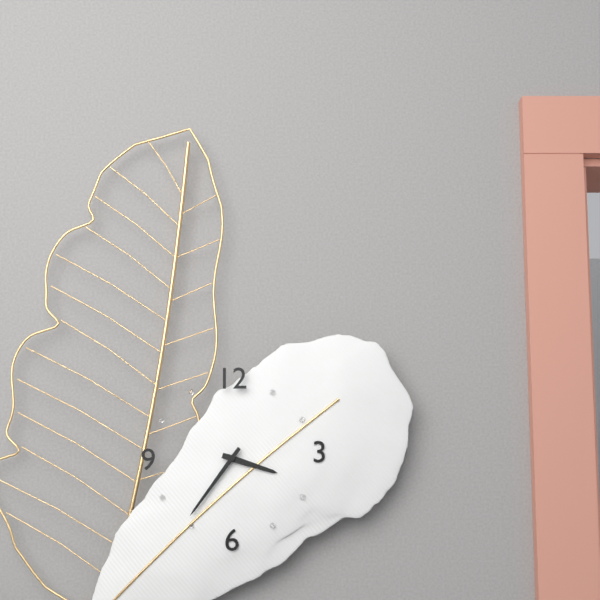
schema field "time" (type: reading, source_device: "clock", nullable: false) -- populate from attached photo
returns 3:36
